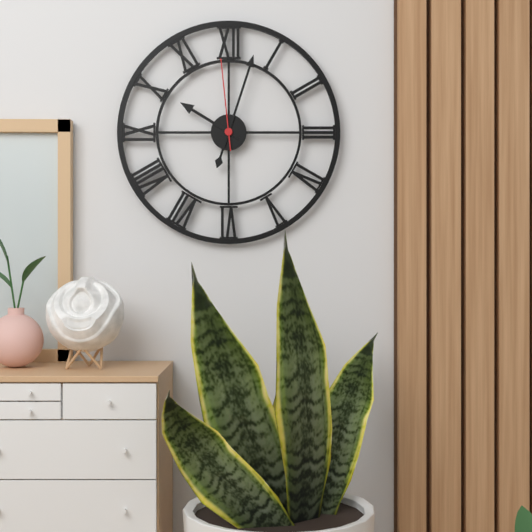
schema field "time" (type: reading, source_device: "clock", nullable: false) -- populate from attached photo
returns 10:03:59
